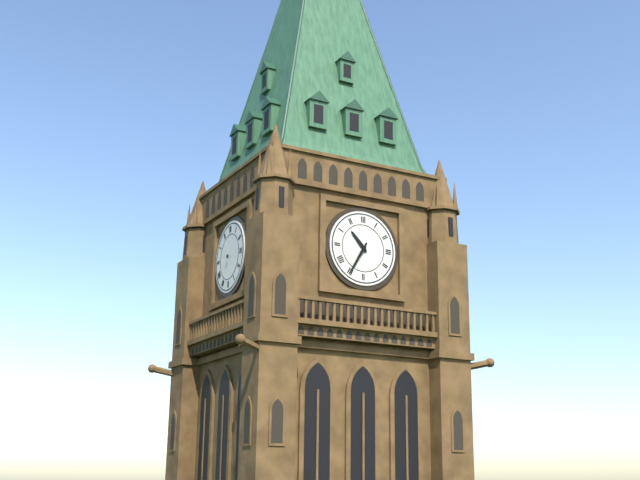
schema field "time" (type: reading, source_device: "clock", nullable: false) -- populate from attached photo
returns 10:35
